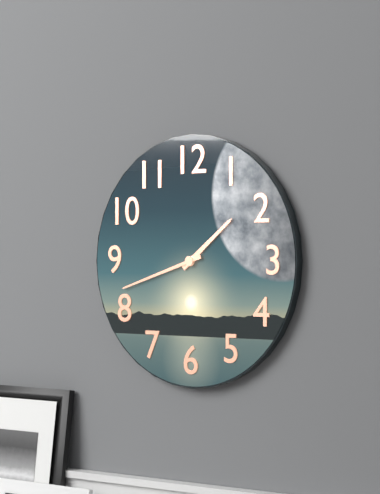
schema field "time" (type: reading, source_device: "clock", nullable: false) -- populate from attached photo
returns 1:42
